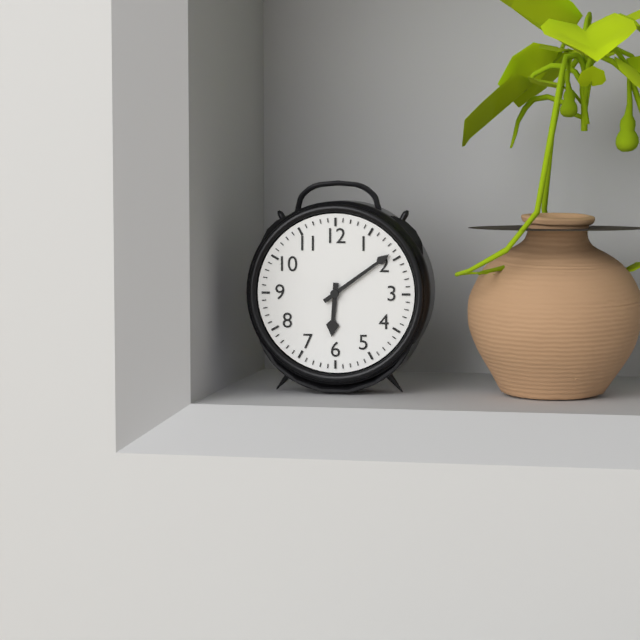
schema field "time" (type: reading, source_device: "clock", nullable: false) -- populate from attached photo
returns 6:09
